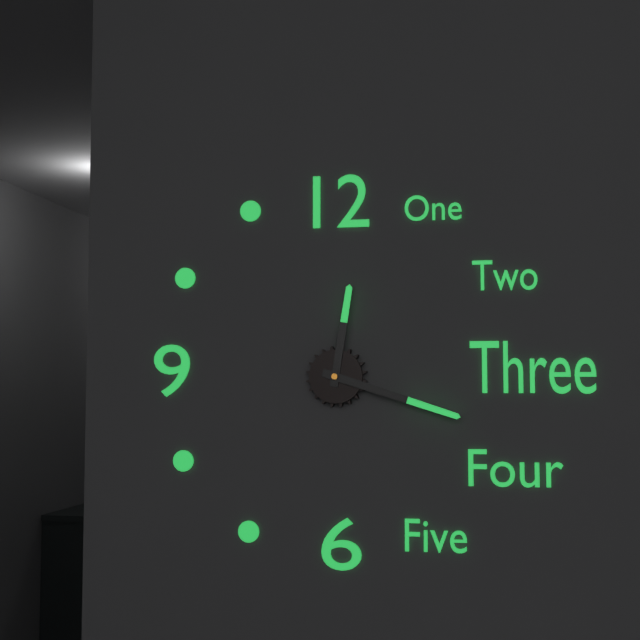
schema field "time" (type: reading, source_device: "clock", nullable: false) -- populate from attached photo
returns 12:18
